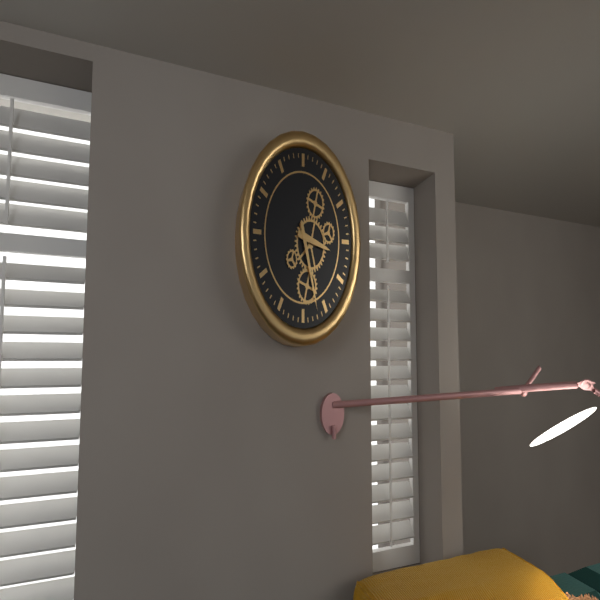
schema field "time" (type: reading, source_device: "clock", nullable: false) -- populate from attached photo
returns 3:27
